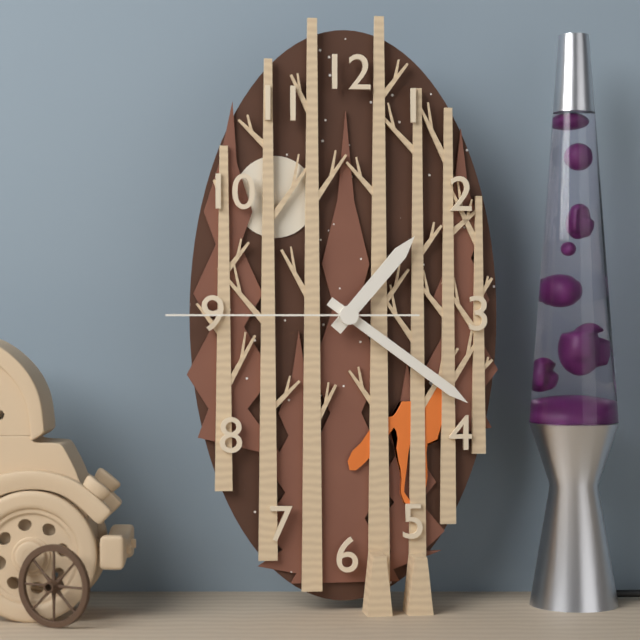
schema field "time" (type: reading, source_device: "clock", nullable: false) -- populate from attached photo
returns 1:21:45
